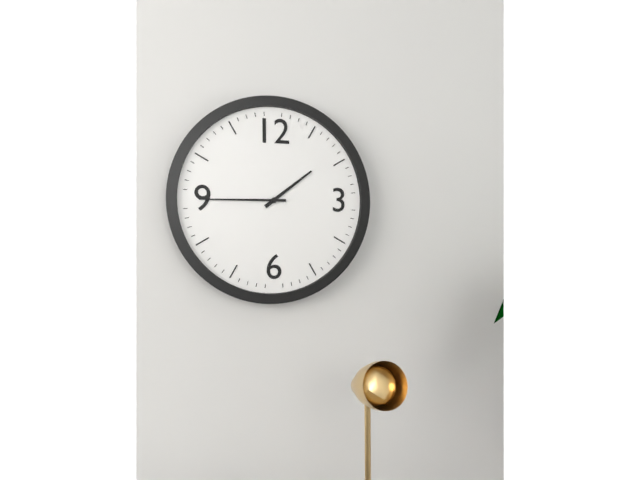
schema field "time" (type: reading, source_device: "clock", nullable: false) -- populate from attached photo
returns 1:45
